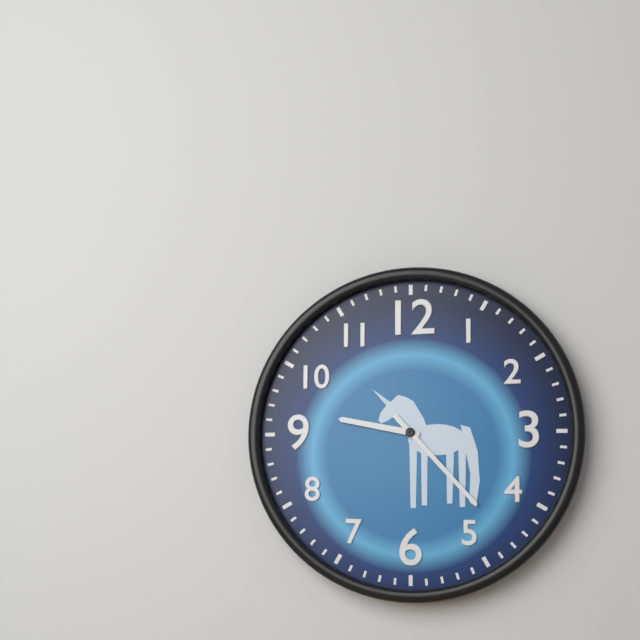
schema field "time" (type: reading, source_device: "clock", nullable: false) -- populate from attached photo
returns 9:23
